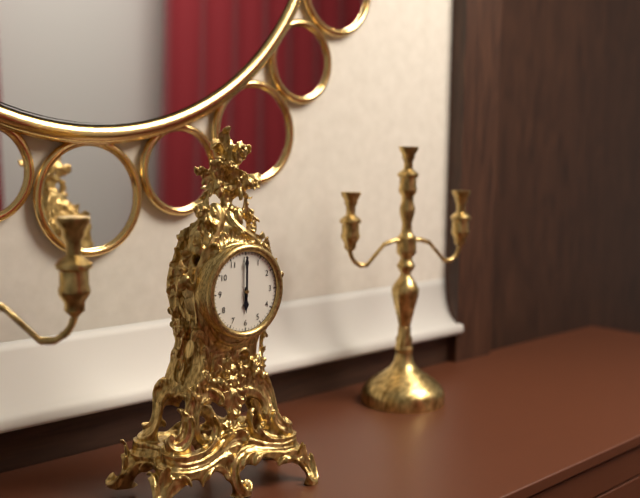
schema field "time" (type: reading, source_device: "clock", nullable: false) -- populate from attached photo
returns 6:00
